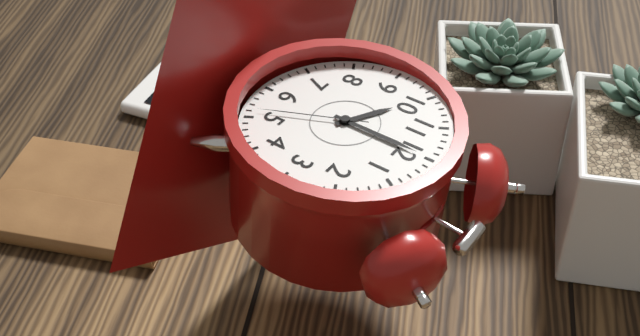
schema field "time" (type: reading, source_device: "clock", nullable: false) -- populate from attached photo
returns 10:00:26
